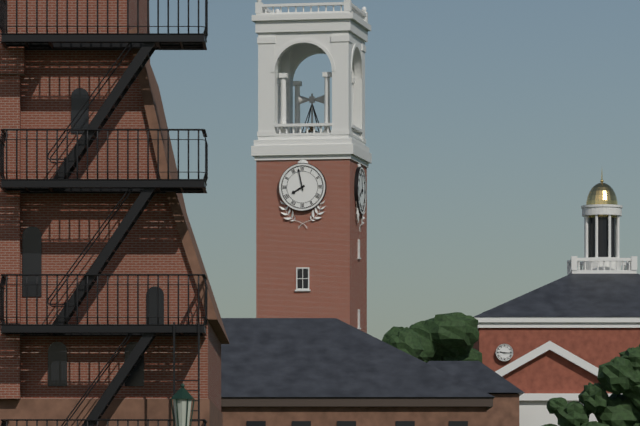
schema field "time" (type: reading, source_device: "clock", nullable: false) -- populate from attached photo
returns 7:58
